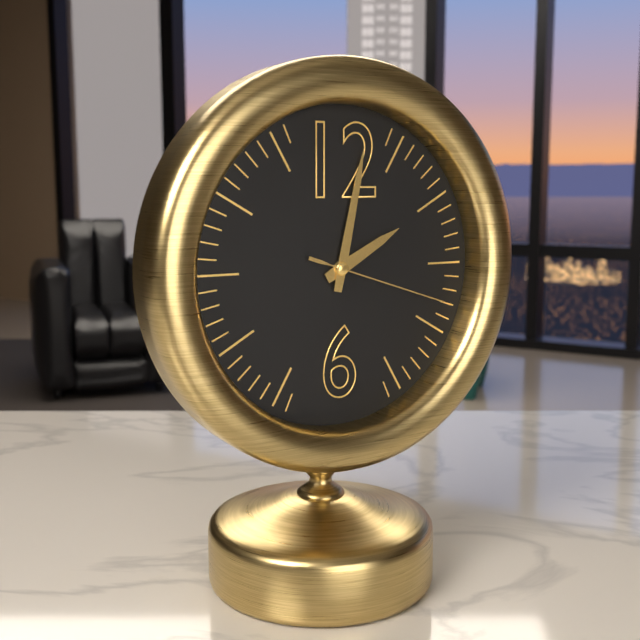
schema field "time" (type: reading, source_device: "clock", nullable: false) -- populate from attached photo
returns 2:02:18
